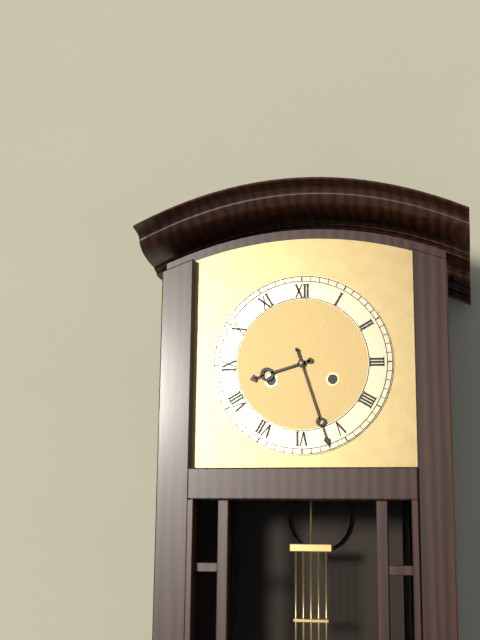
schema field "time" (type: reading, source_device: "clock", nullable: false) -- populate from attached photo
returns 8:27
